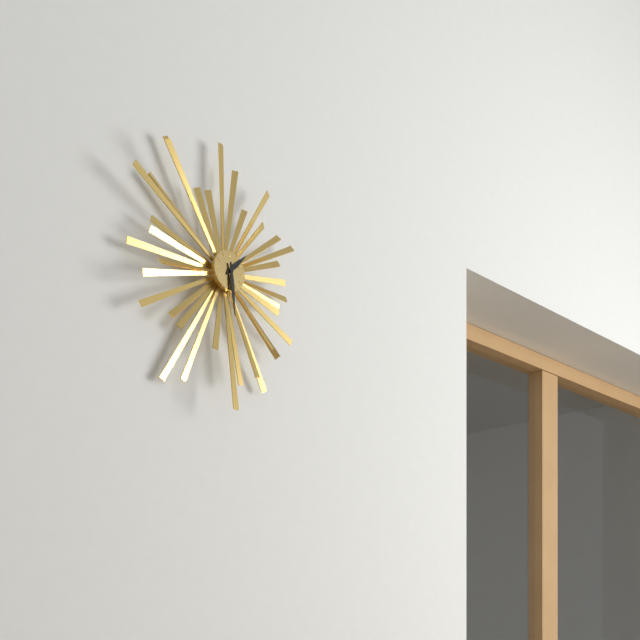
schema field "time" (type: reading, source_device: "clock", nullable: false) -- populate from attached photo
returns 1:29
